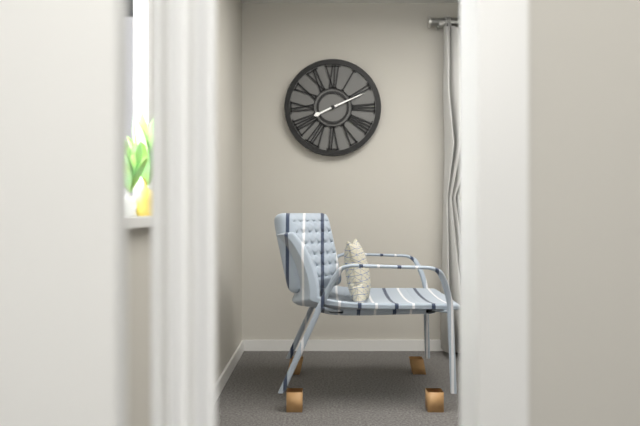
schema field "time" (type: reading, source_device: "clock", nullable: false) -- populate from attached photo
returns 8:11
